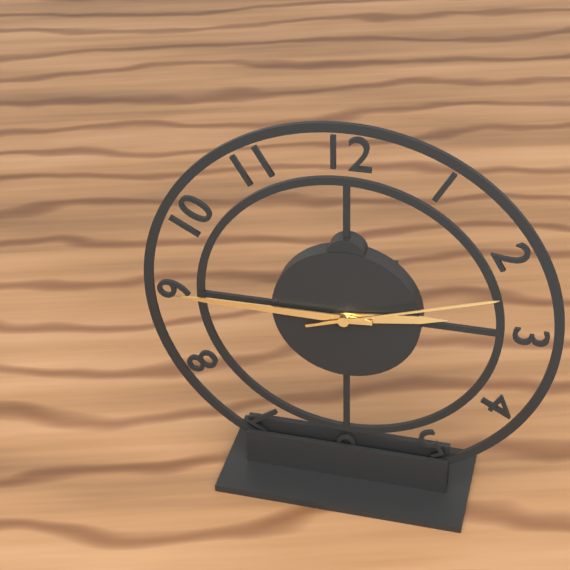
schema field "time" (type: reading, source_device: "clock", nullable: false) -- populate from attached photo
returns 2:45:12
